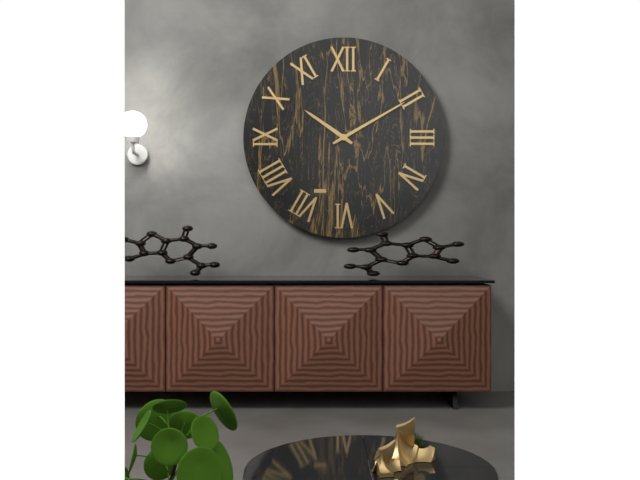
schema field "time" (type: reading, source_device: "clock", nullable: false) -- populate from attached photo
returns 10:10
